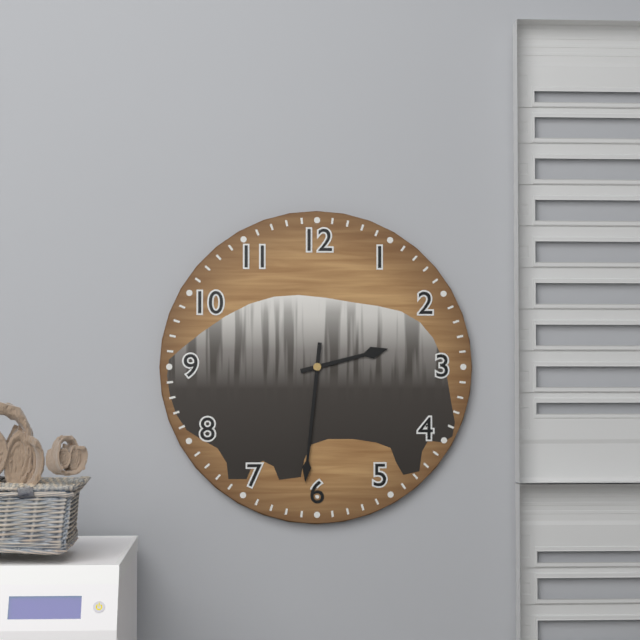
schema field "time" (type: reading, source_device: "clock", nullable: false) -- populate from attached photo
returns 2:31
